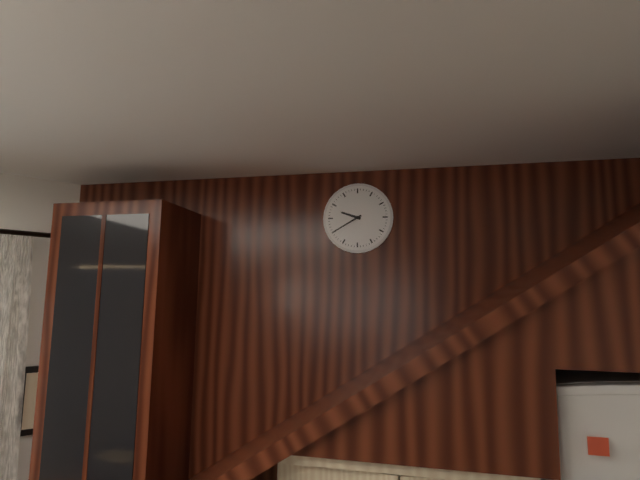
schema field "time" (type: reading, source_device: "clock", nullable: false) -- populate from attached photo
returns 9:40
